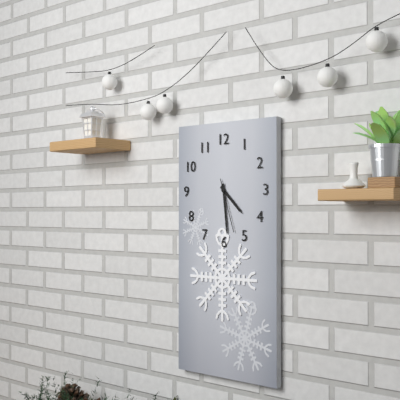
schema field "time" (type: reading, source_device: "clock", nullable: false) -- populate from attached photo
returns 4:29:27
